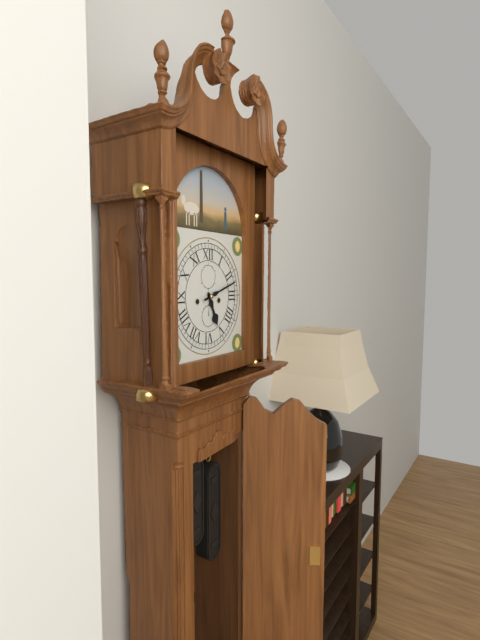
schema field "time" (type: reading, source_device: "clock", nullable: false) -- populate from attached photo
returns 5:12
